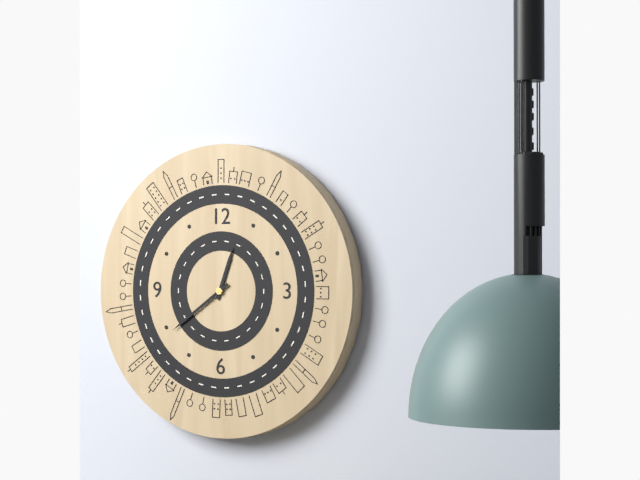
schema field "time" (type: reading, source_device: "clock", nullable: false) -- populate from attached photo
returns 12:39
